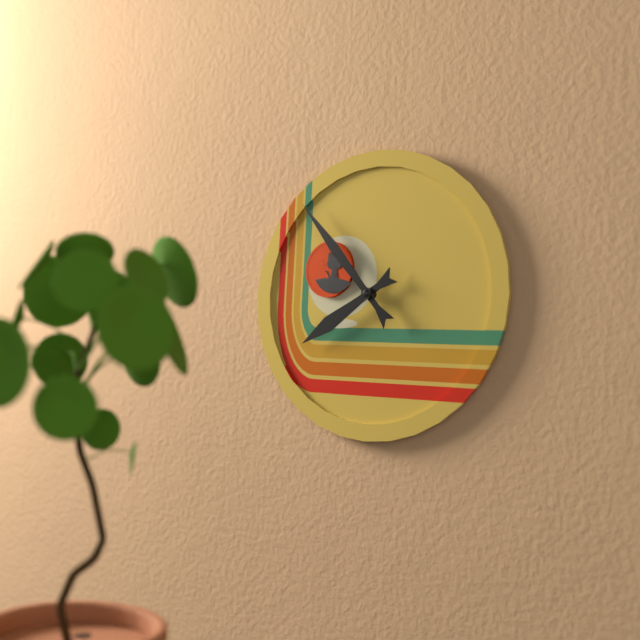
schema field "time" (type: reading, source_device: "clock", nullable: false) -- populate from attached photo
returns 7:53
